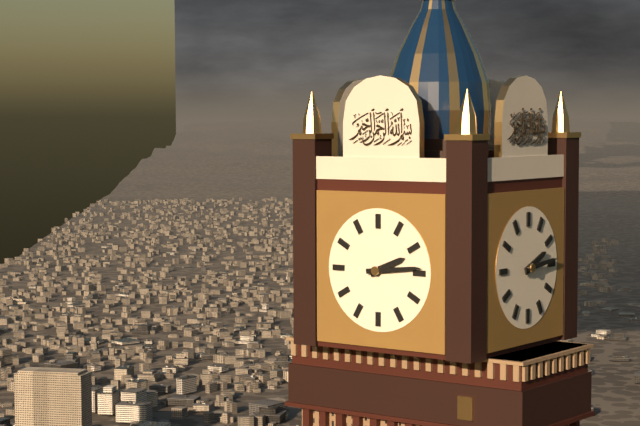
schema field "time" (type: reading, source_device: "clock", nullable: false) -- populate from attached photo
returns 2:14
